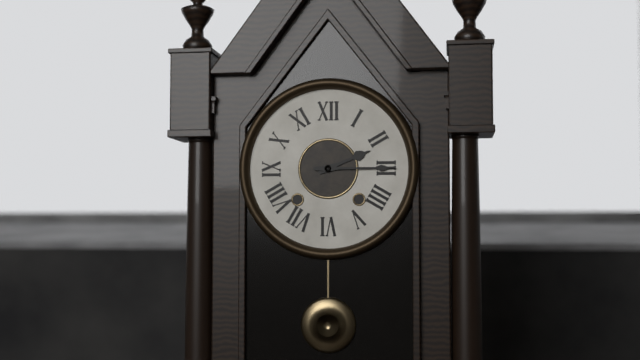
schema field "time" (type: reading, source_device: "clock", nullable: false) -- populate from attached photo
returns 2:15
